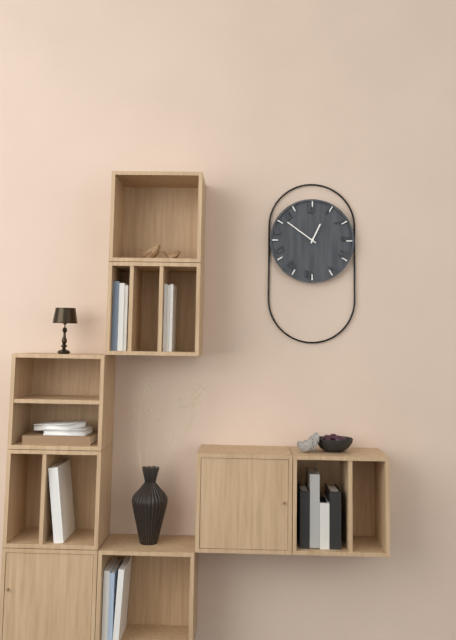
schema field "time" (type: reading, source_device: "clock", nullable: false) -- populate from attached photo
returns 12:51
